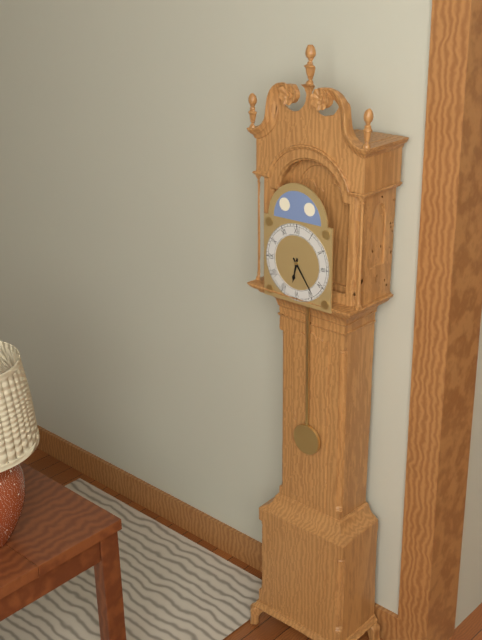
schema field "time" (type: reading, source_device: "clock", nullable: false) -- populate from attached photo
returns 6:24
